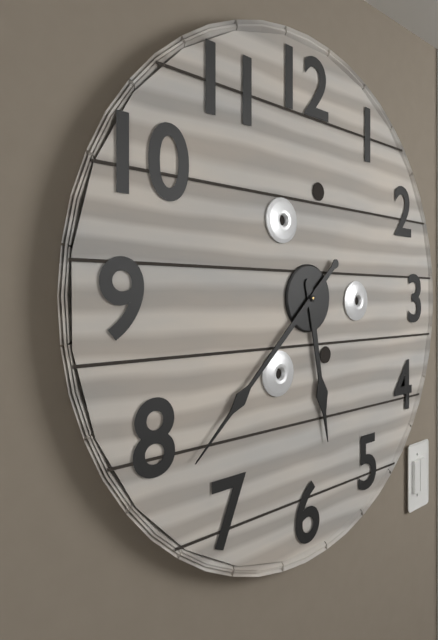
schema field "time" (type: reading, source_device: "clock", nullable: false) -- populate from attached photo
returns 5:38
